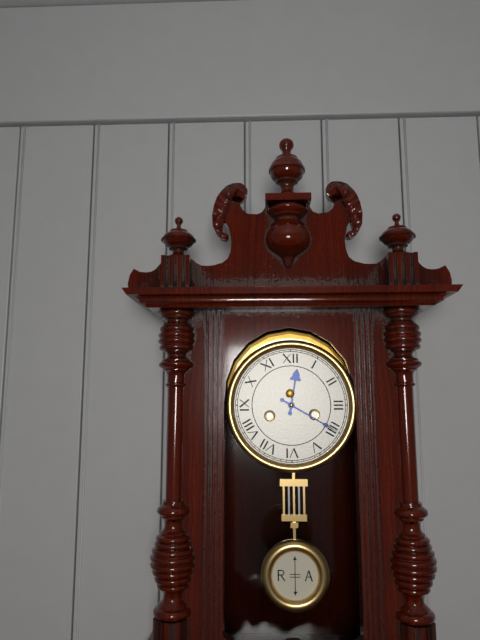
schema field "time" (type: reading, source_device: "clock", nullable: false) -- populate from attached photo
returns 12:20
